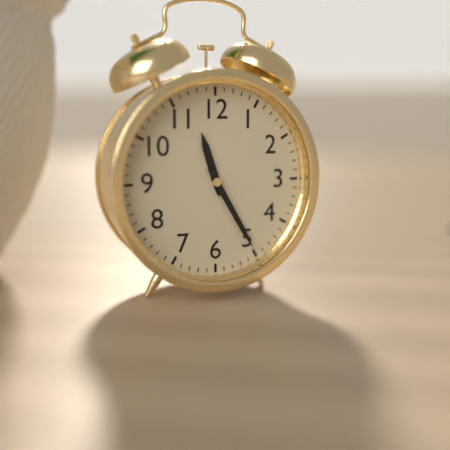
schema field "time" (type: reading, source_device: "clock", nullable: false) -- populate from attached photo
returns 11:25
